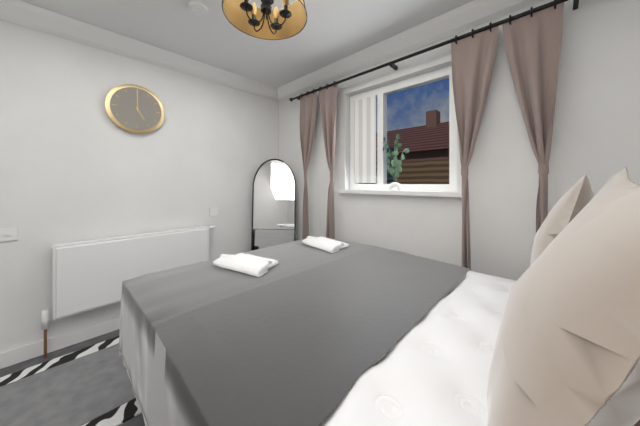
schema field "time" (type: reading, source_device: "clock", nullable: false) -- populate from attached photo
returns 5:00
